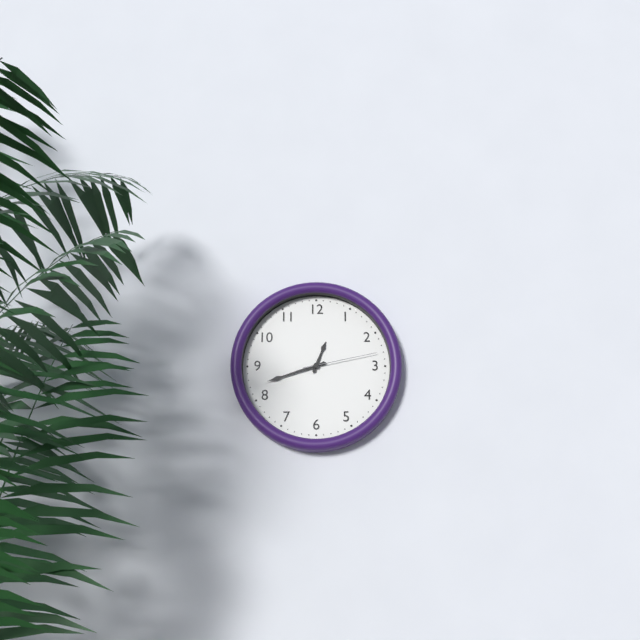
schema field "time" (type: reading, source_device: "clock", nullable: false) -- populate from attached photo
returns 12:42:13
